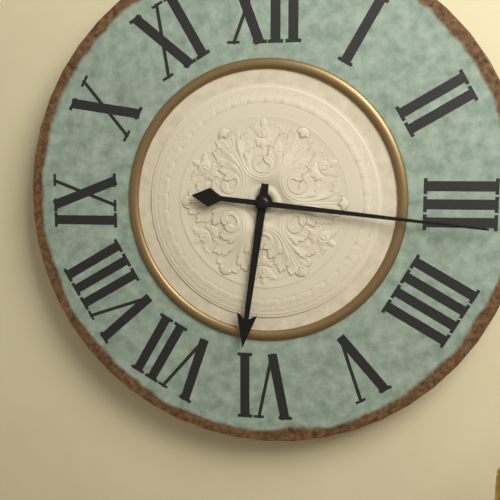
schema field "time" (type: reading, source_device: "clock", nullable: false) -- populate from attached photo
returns 6:16
